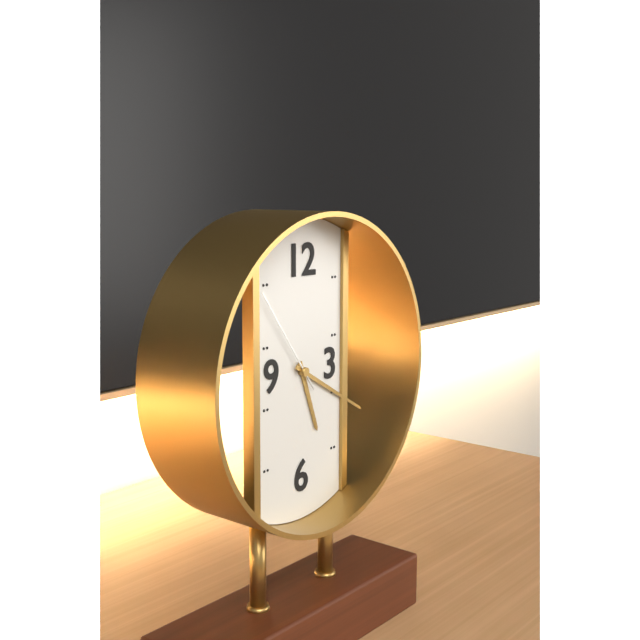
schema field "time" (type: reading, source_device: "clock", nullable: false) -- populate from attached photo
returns 5:20:54
